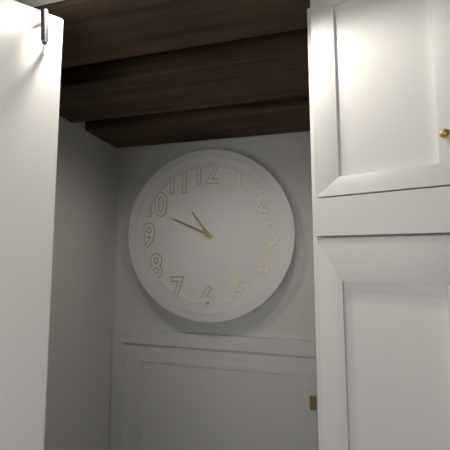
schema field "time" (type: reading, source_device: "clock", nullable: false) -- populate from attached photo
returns 10:49
